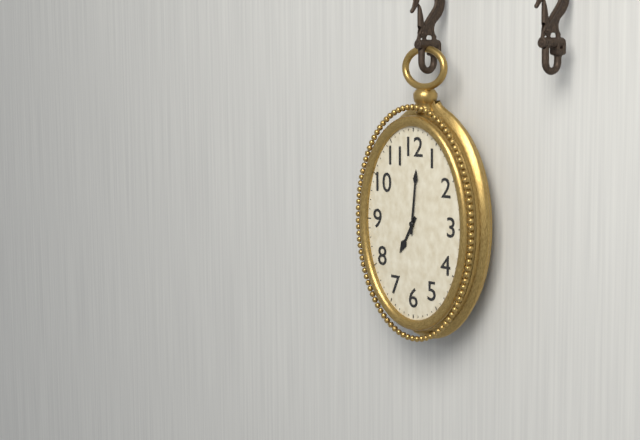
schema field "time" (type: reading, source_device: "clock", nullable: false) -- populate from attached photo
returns 7:01
